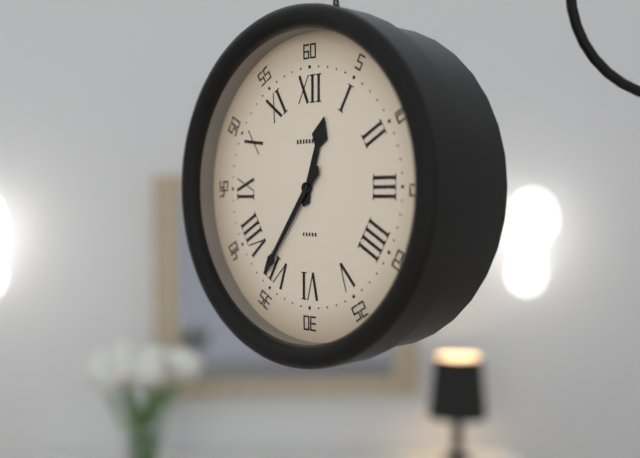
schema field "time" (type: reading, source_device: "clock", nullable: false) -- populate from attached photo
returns 12:36
